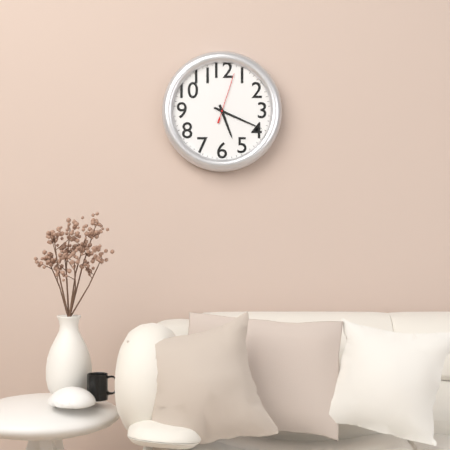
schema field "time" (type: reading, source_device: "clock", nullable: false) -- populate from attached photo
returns 5:19:03
